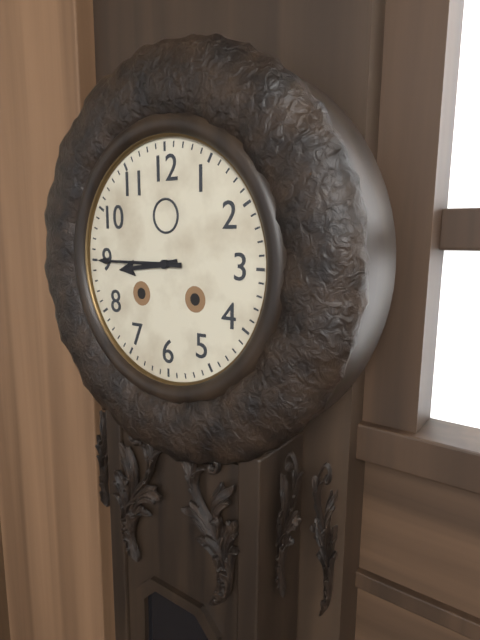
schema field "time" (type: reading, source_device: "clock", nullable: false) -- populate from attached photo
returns 8:45
